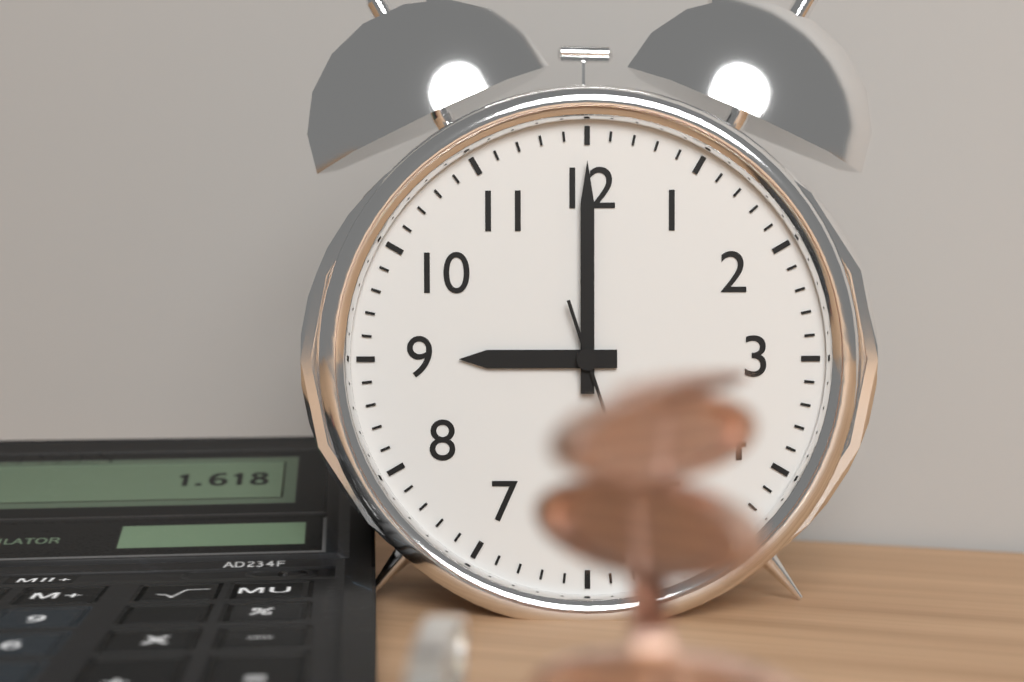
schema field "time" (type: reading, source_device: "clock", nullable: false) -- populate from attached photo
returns 9:00
